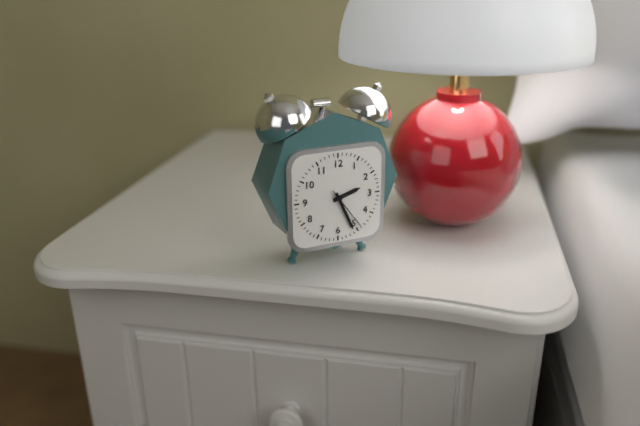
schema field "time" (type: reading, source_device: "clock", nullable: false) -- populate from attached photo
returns 2:26
